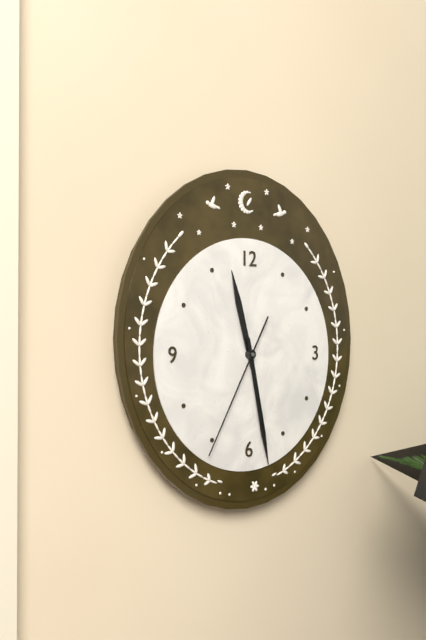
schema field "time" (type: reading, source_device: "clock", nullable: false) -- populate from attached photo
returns 11:28:35
